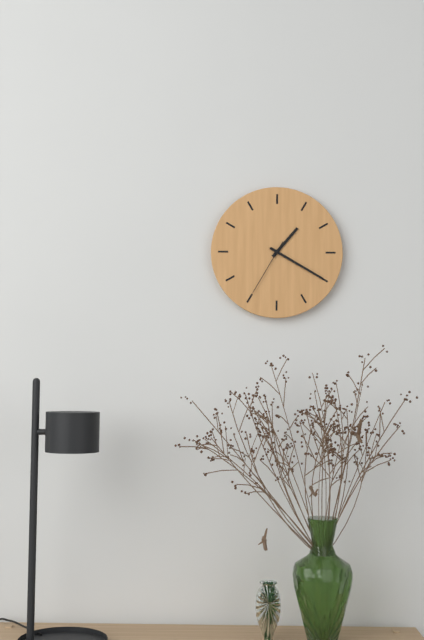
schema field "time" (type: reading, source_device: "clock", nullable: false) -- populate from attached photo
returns 1:20:35
